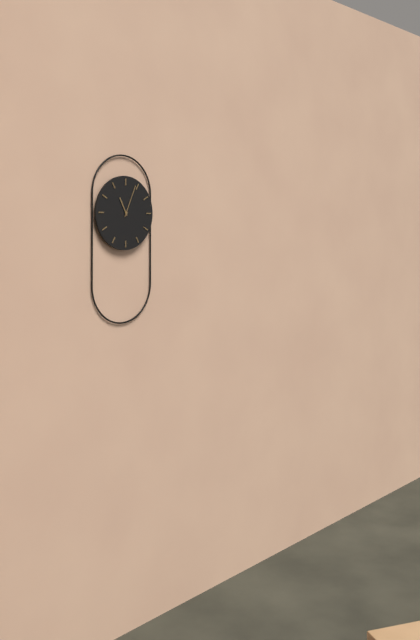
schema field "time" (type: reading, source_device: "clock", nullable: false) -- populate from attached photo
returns 11:04
